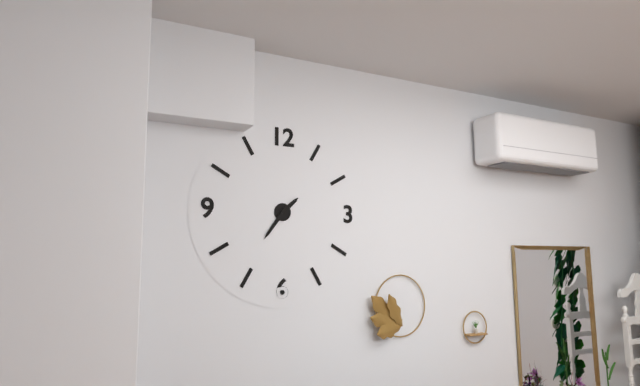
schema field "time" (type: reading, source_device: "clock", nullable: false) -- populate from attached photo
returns 1:36
